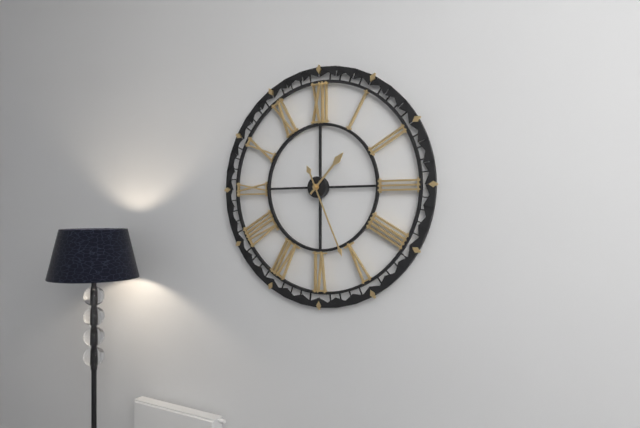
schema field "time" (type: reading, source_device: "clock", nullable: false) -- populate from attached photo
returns 1:26
